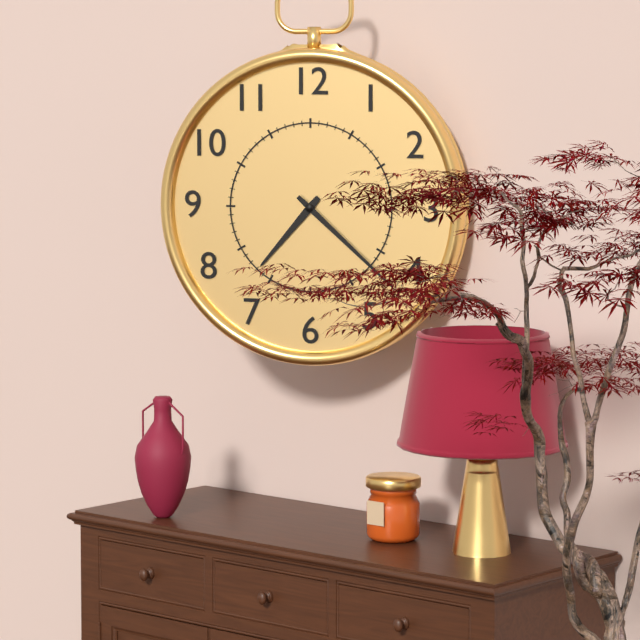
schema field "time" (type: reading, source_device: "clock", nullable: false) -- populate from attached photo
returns 7:22
